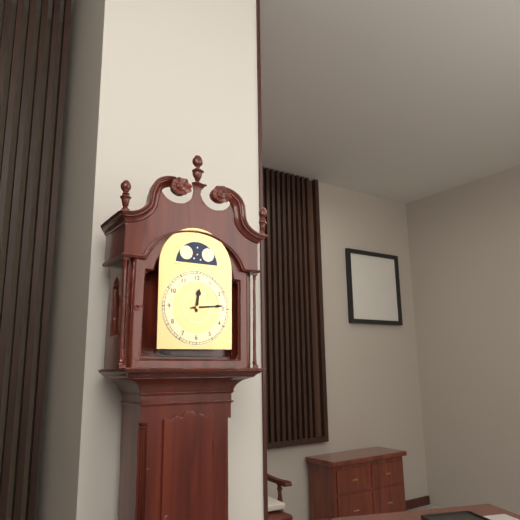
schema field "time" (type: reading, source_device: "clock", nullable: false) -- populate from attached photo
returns 12:14
